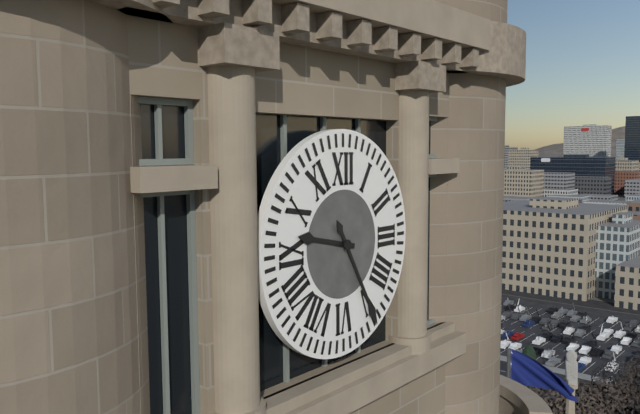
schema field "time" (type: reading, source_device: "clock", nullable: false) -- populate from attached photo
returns 9:25
